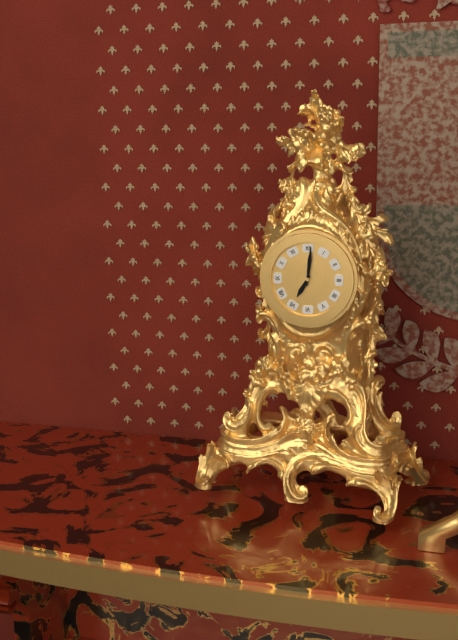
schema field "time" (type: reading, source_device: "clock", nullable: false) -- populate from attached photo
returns 7:01
